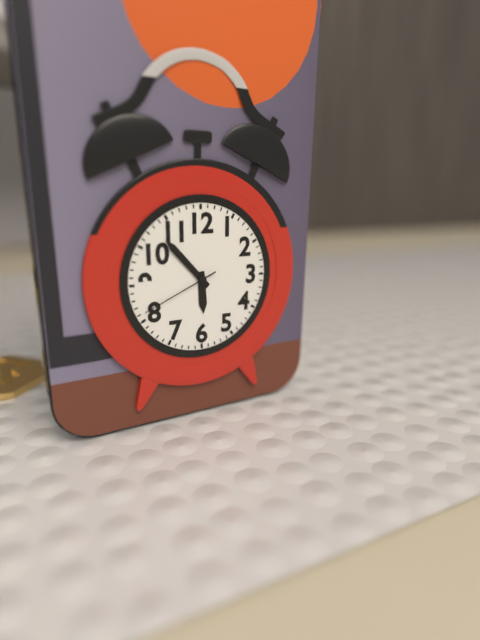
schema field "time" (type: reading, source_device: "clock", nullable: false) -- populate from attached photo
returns 5:53:41
